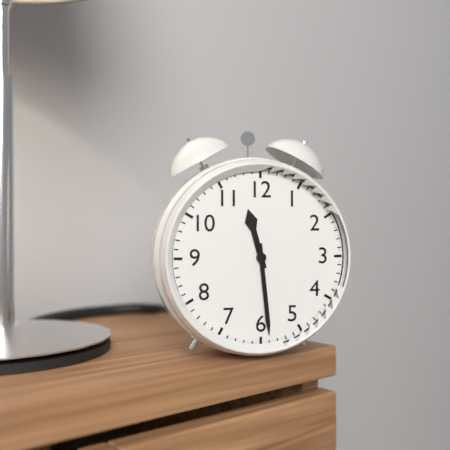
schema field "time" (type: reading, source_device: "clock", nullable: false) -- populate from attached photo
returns 11:29
